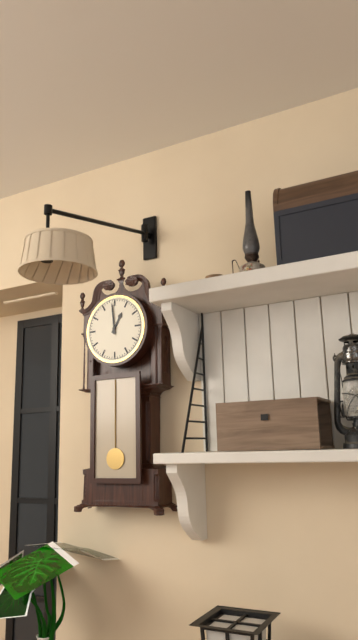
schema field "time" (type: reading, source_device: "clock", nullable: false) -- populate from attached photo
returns 12:59
